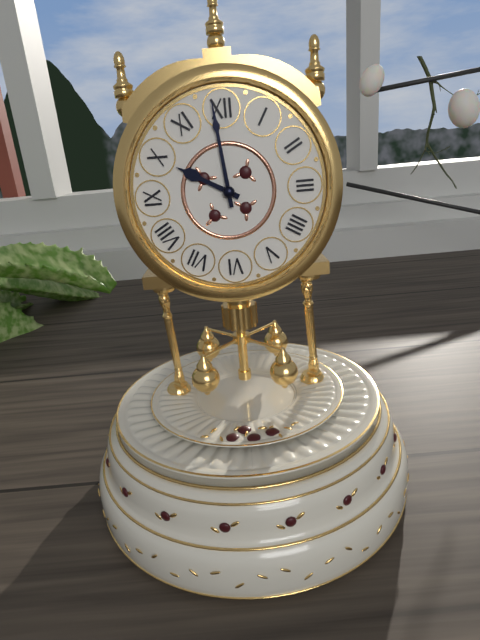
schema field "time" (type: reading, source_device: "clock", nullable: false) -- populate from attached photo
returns 9:59
